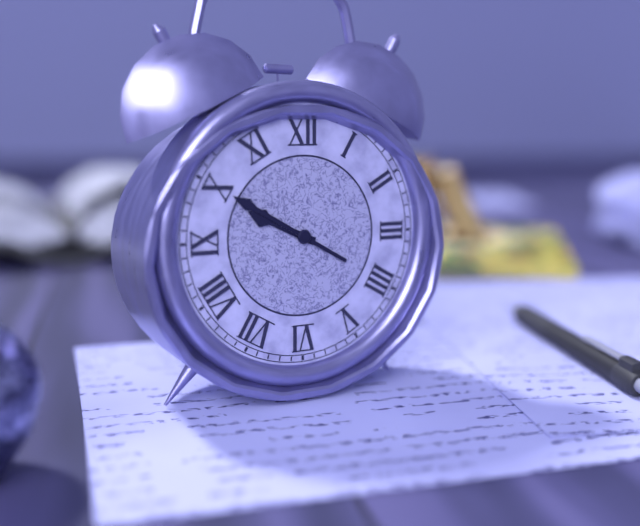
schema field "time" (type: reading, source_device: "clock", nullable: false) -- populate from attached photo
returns 9:50
